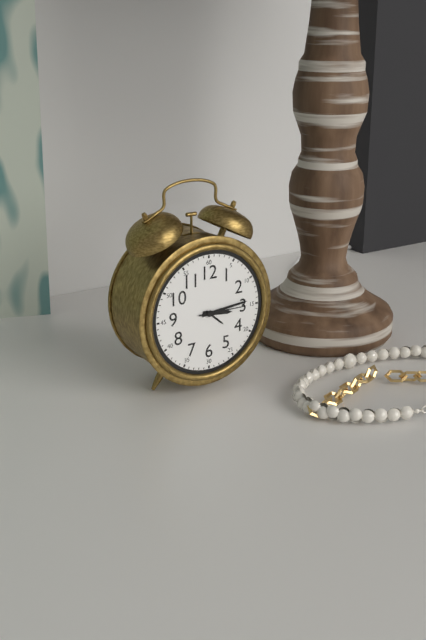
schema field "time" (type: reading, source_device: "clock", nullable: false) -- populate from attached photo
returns 3:14
